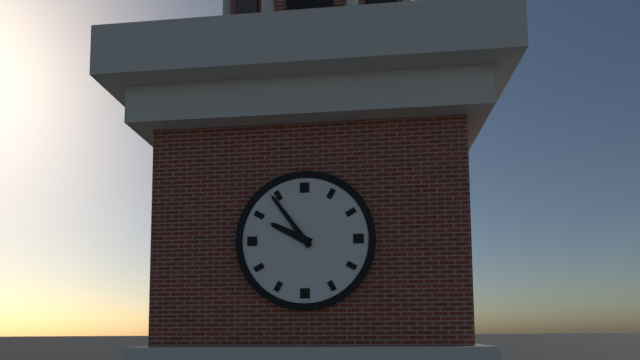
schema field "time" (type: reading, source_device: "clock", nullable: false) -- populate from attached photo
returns 9:54
